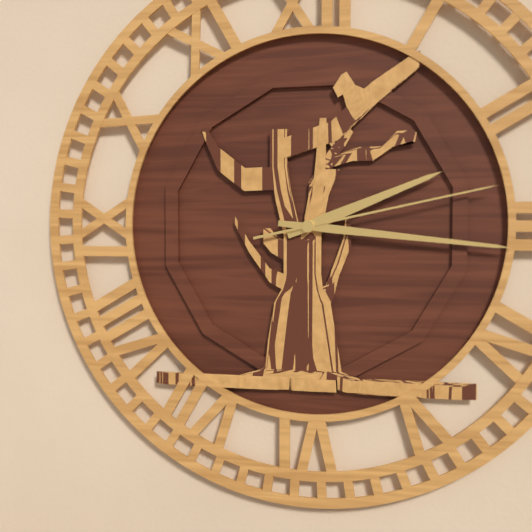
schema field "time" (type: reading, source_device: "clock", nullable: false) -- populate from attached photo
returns 2:16:13
